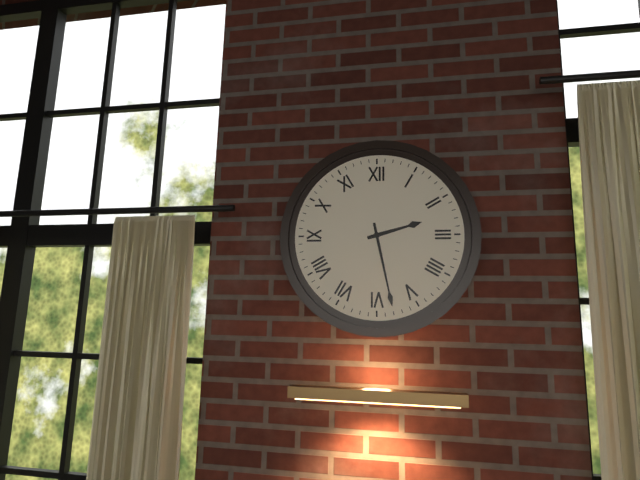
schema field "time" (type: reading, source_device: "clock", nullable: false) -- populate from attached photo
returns 2:28
